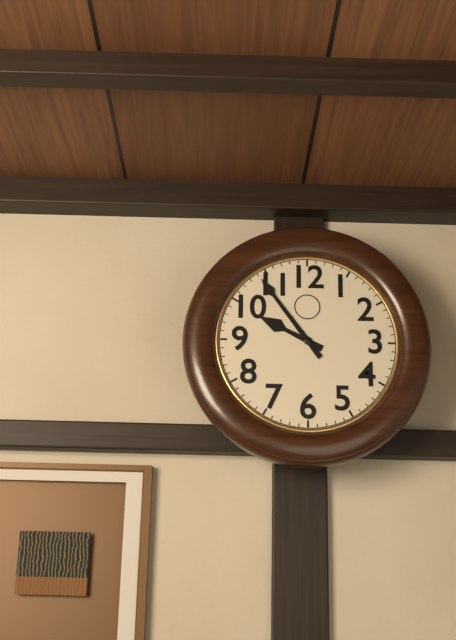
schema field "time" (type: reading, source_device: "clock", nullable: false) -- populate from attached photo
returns 9:54
